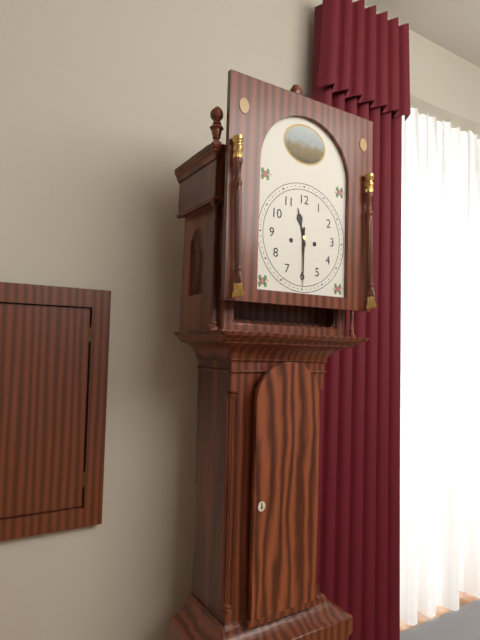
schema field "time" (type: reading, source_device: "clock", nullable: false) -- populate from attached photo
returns 11:30
